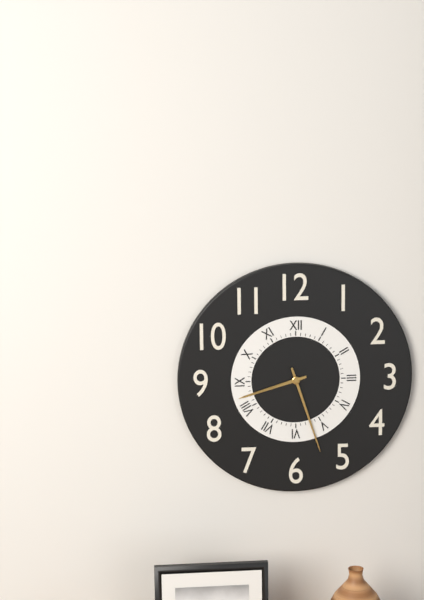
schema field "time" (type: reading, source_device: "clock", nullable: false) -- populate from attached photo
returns 8:27
